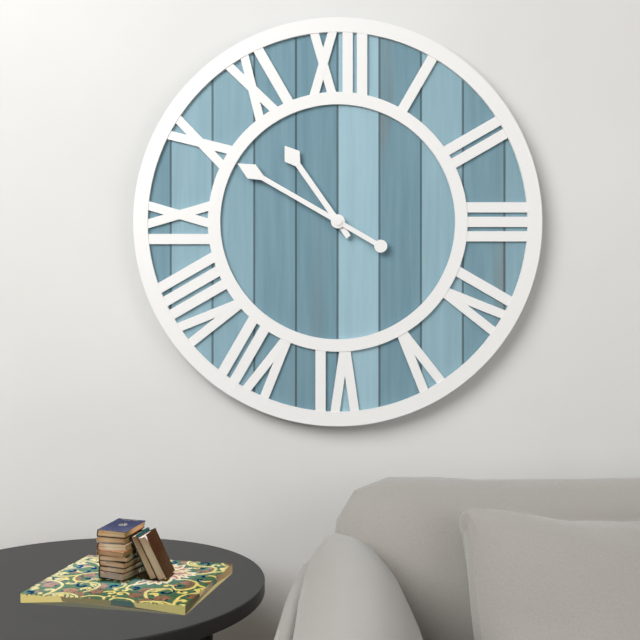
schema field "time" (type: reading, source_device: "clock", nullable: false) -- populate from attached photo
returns 10:50
